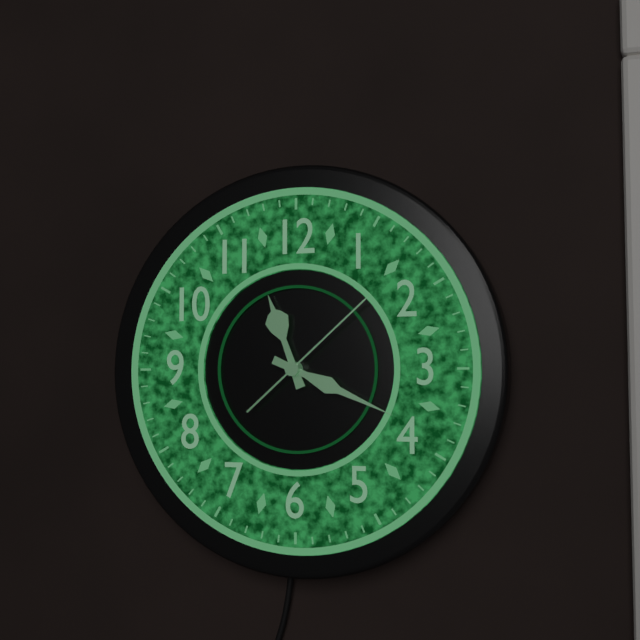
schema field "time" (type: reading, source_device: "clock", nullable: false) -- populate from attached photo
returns 11:19:08
